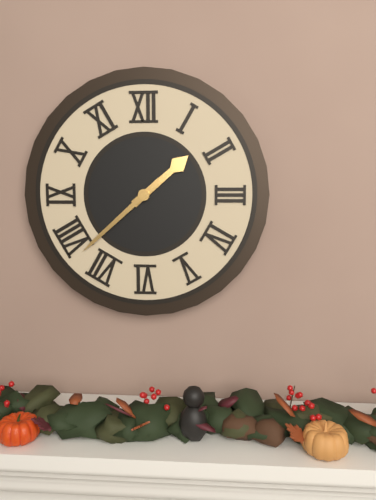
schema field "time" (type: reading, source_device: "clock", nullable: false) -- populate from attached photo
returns 1:38
